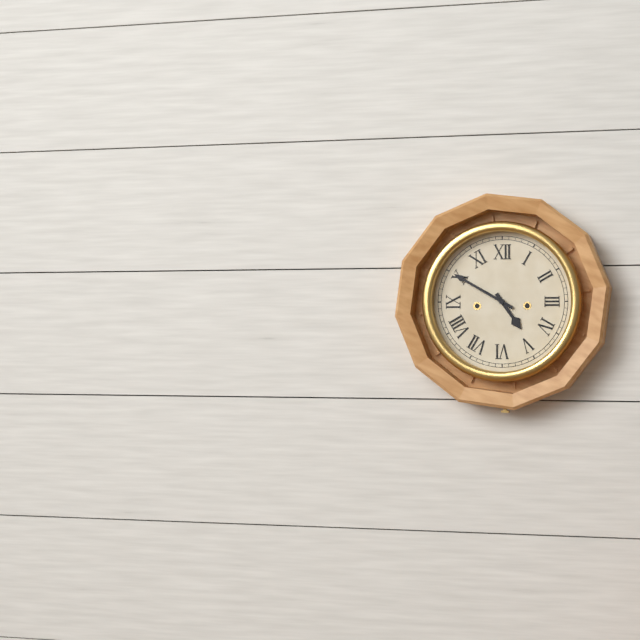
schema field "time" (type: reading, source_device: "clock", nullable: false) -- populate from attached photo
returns 4:50
